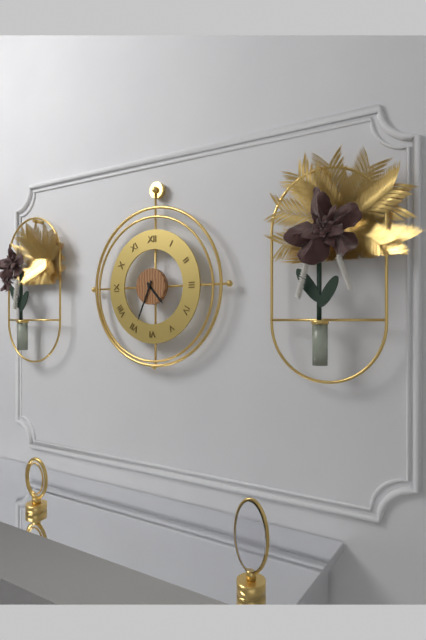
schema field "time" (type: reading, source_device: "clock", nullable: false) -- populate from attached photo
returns 4:34
